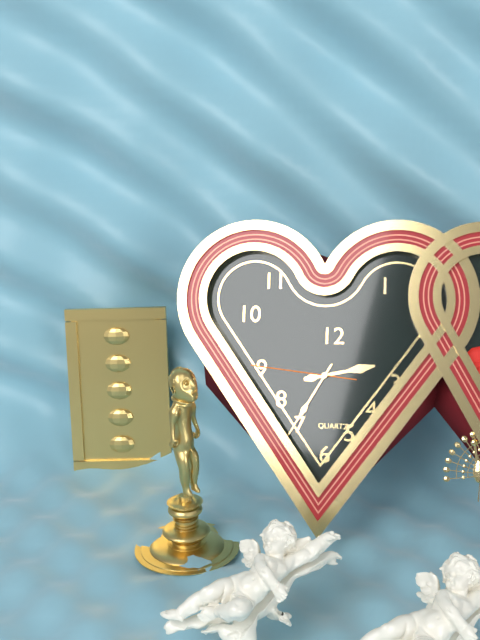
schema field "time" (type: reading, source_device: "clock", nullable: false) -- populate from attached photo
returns 2:35:46
